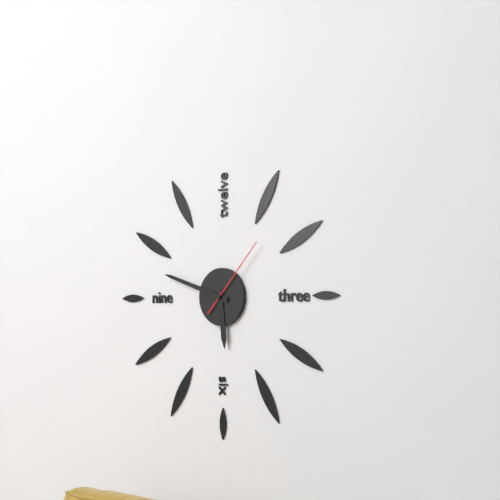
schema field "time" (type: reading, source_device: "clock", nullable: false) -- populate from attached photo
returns 5:48:07
